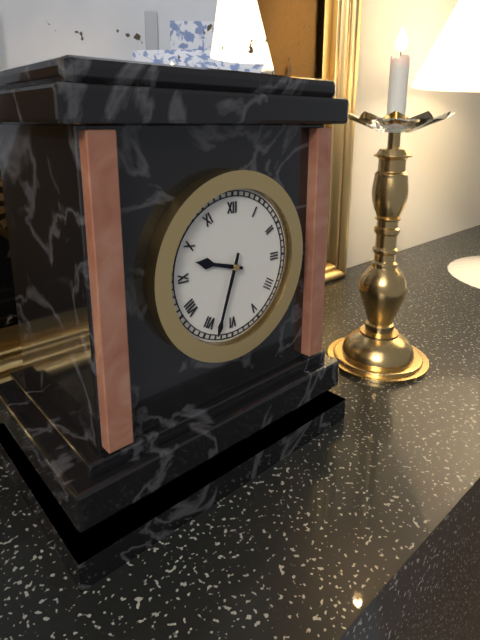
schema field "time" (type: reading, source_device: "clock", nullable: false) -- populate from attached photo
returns 9:33
